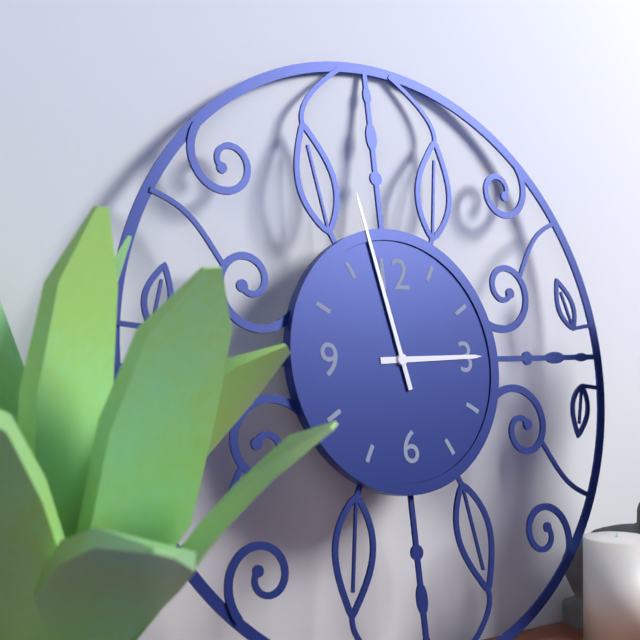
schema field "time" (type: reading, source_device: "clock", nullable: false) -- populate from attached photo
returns 2:58
